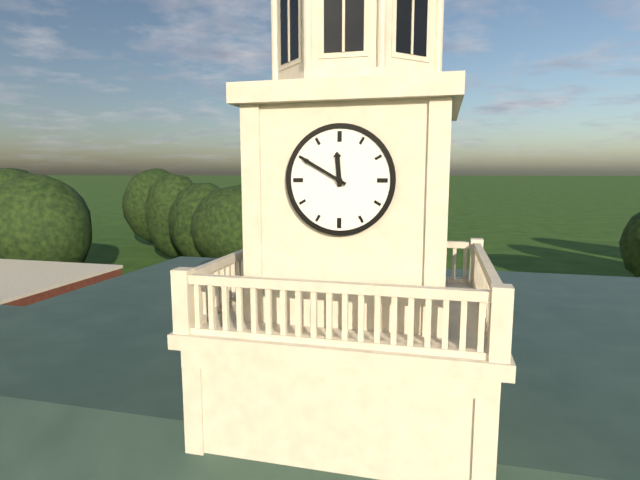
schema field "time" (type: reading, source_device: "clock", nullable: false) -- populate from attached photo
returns 11:50
